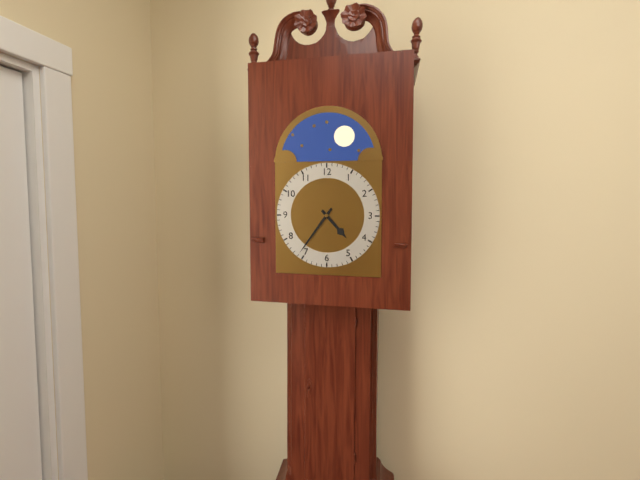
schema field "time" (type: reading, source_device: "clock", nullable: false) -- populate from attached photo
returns 4:36
